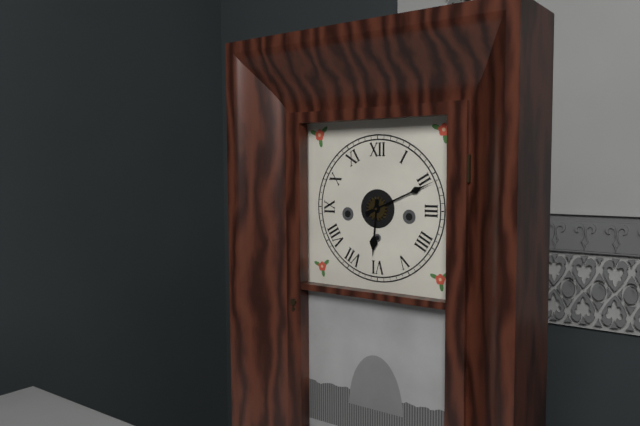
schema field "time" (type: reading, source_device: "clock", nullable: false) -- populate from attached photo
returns 6:11
